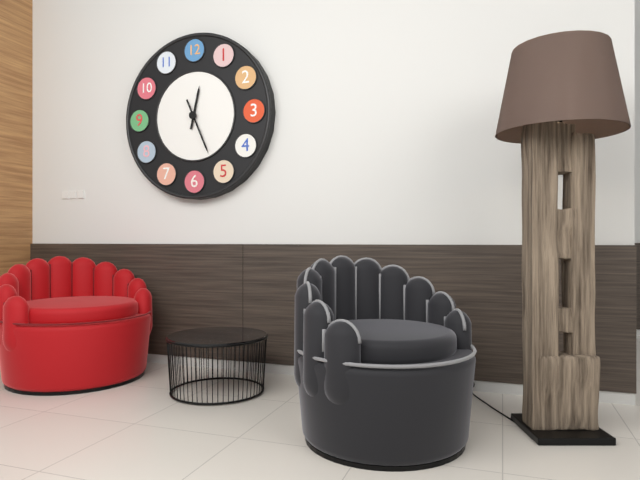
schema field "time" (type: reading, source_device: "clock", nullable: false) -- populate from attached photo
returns 12:26
